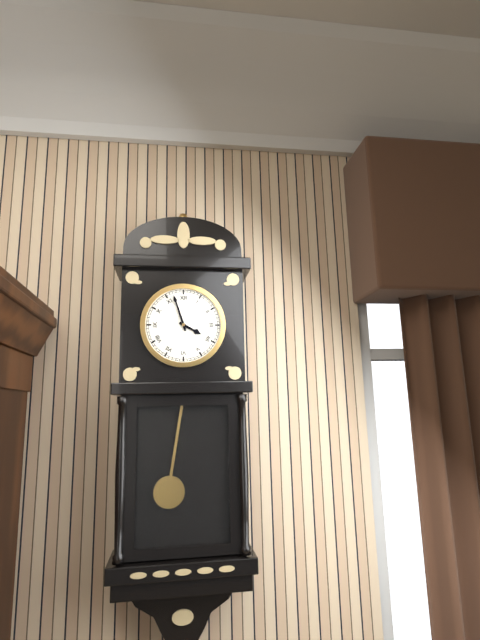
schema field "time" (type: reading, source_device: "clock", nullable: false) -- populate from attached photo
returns 3:57
